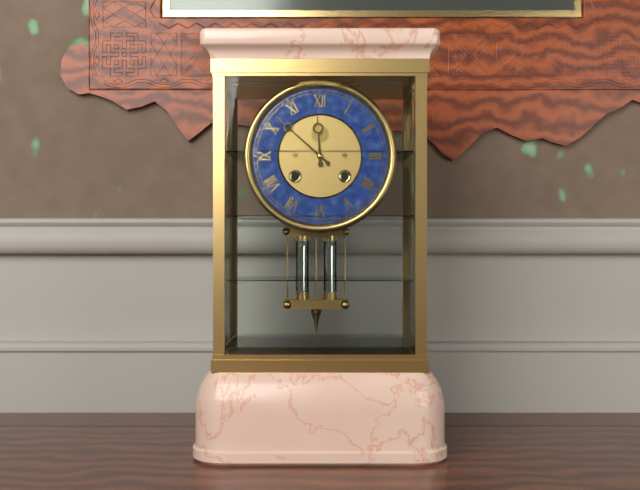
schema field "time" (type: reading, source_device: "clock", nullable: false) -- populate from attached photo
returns 11:52
